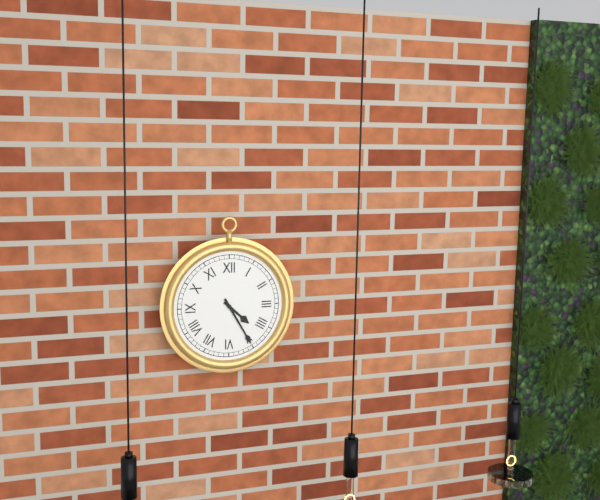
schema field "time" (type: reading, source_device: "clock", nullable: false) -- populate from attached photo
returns 4:25
